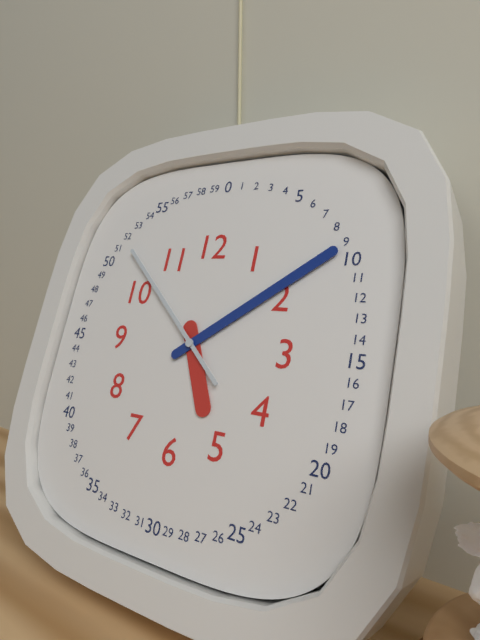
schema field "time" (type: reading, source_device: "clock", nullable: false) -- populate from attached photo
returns 5:09:52
